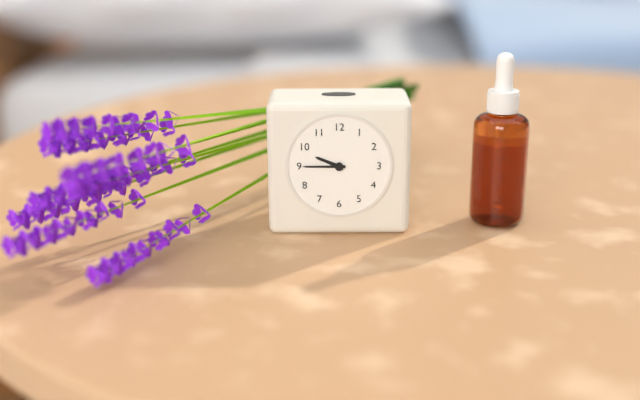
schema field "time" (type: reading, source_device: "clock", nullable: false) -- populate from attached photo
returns 9:45
